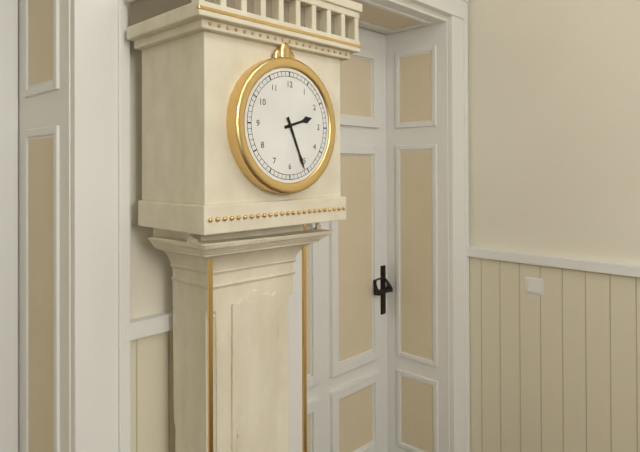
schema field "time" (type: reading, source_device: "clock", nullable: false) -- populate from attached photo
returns 2:26
